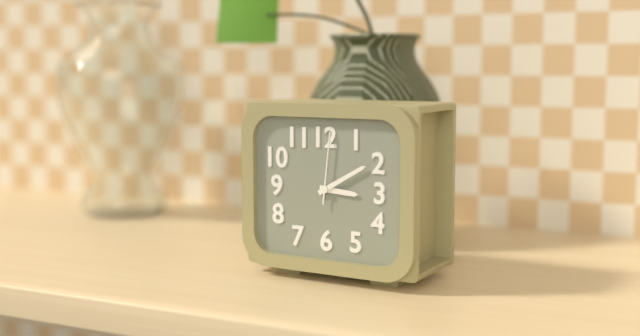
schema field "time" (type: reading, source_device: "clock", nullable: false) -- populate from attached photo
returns 3:10:01
